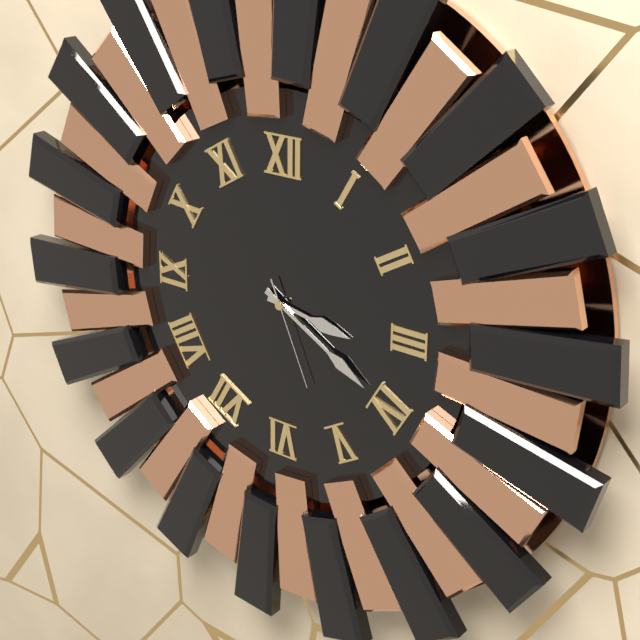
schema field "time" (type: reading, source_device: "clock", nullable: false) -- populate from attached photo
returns 3:20:26
